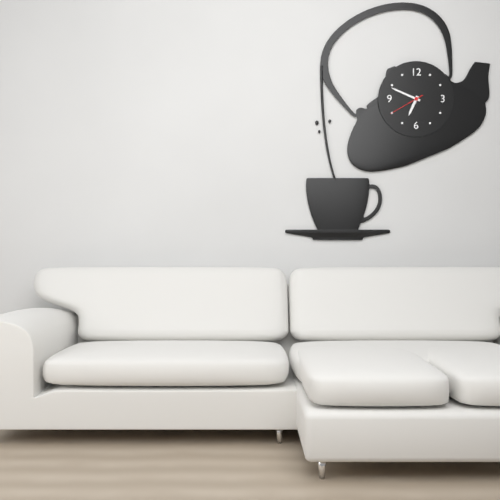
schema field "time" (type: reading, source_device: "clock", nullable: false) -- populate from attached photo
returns 6:49
